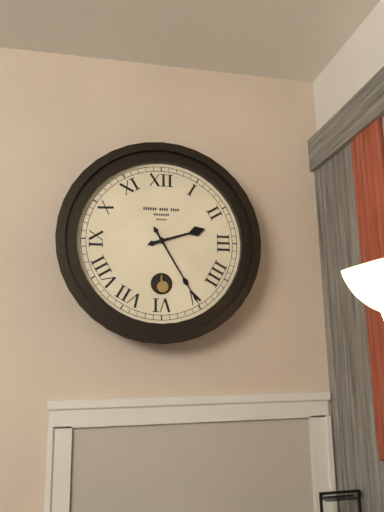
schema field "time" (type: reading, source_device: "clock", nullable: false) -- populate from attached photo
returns 2:25
